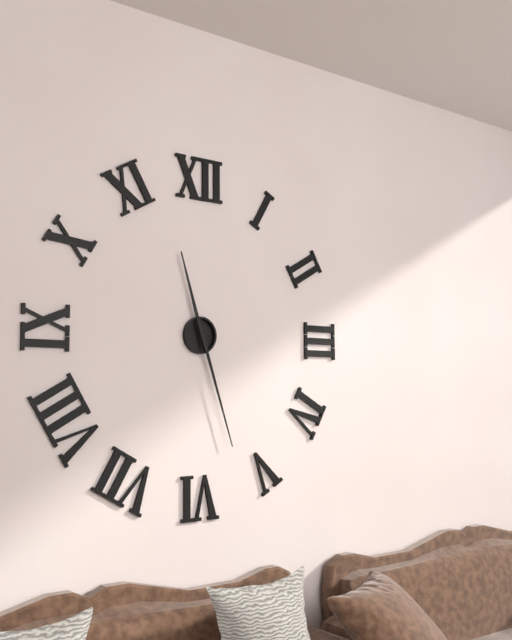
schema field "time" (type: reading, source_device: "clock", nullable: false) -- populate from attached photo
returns 11:27
